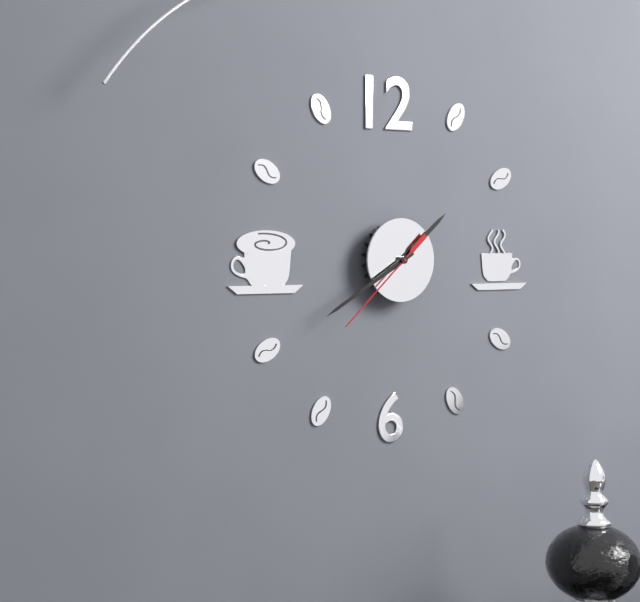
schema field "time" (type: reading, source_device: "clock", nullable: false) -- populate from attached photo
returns 1:40:38
